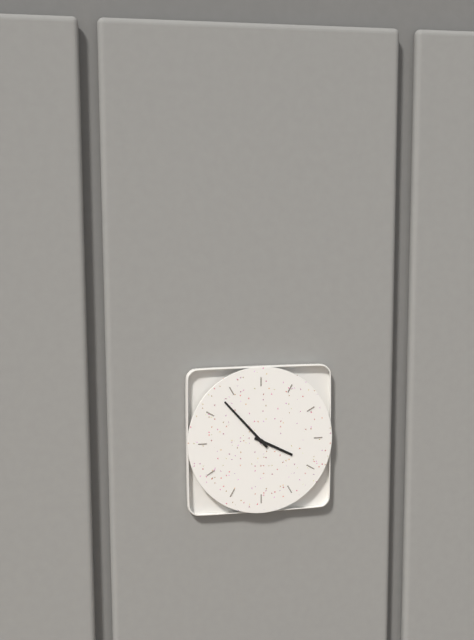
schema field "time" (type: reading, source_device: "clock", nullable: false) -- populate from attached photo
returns 3:53
